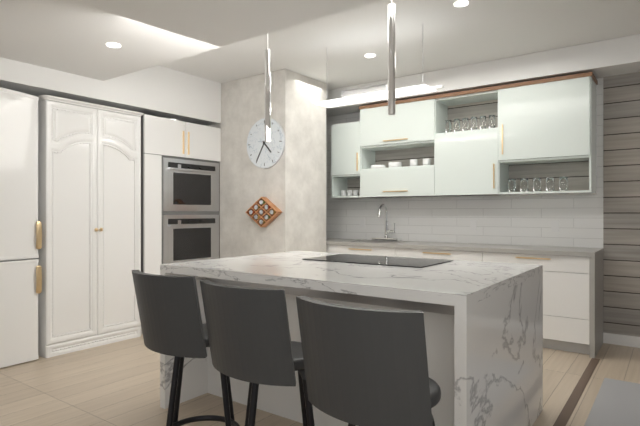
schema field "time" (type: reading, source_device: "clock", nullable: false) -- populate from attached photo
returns 4:35
